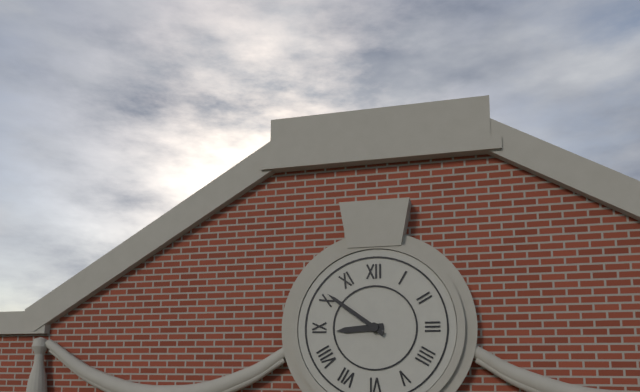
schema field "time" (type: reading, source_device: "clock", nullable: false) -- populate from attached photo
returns 8:51
